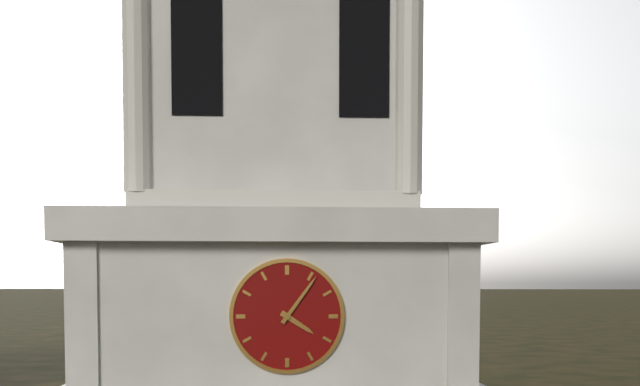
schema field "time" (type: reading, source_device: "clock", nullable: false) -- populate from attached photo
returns 4:06
